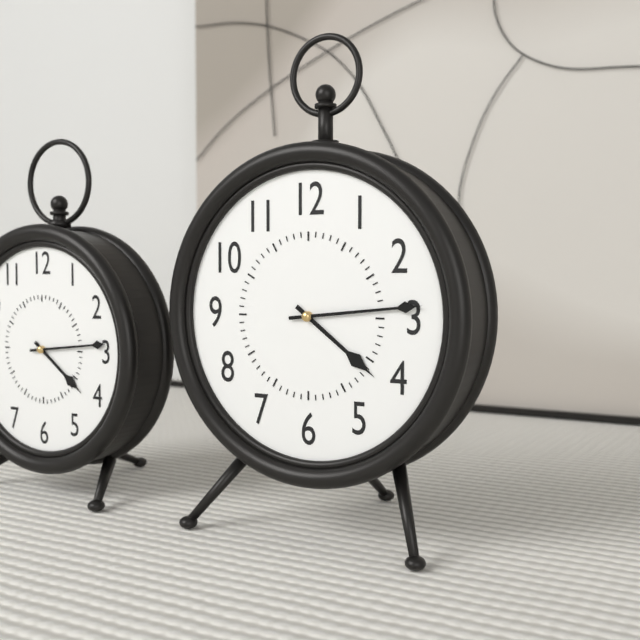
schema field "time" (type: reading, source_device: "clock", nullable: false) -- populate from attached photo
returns 4:14
